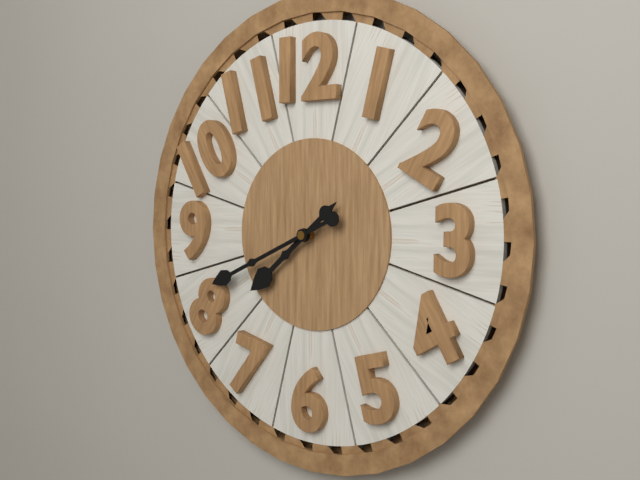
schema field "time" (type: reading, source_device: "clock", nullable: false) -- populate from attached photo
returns 7:41
